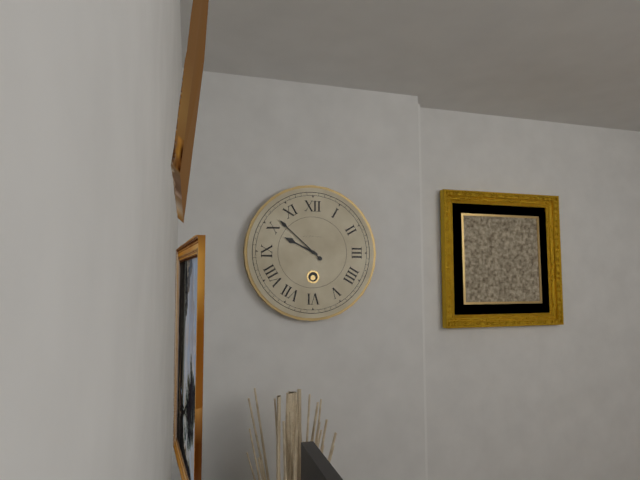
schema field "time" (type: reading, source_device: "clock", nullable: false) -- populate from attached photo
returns 9:52
